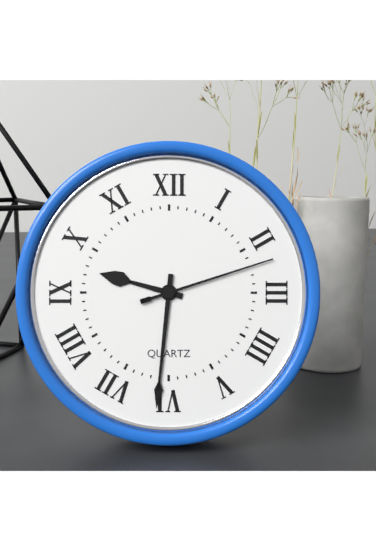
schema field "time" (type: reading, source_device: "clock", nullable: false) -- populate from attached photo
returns 9:31:12
